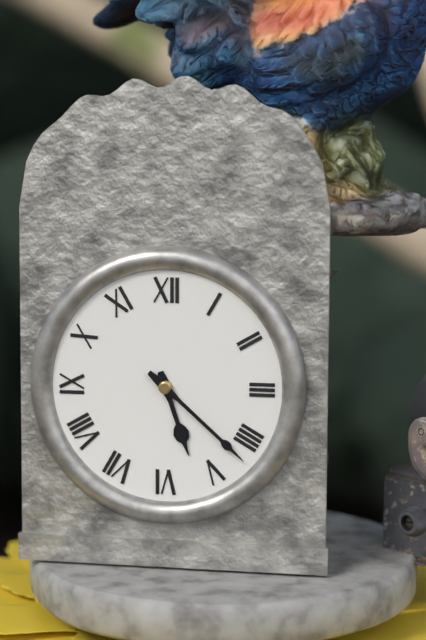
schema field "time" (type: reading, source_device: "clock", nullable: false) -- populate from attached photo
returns 5:22
